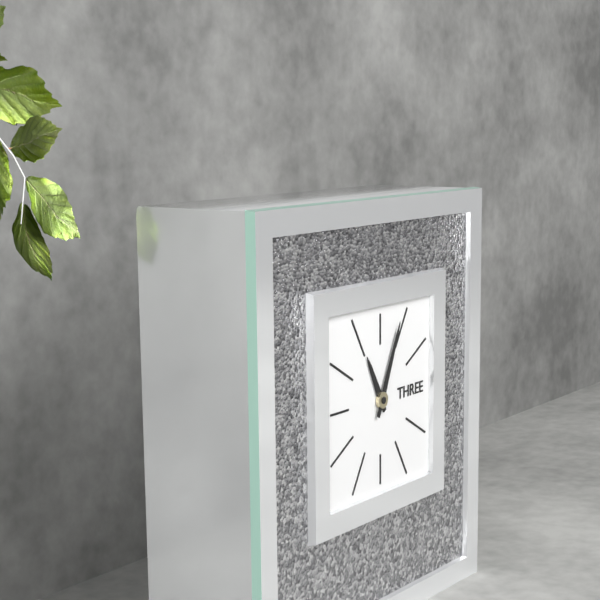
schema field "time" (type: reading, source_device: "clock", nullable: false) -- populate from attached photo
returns 11:04
